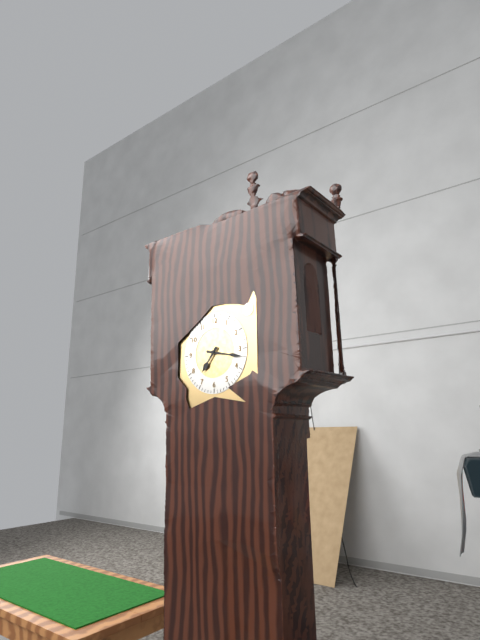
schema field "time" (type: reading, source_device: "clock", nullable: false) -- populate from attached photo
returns 7:17
